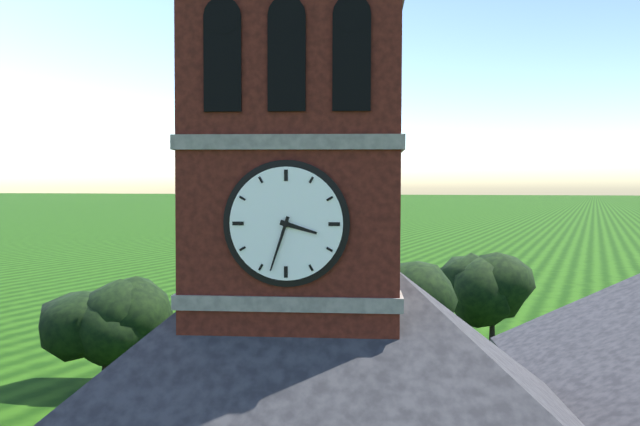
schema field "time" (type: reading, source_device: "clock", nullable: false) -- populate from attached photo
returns 3:33
